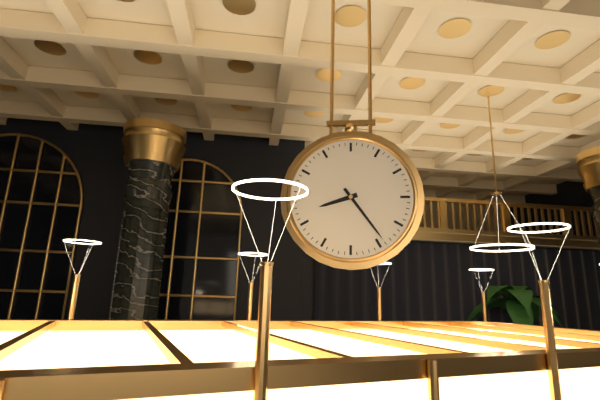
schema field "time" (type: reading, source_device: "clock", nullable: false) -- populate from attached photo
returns 8:24
